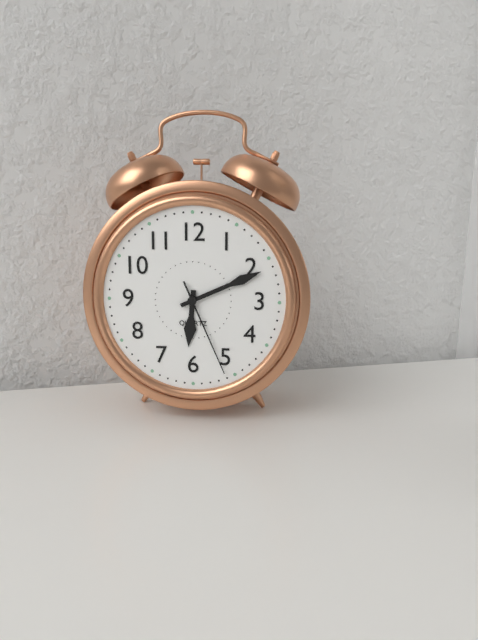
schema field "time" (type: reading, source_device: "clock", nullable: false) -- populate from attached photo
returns 6:11:26
